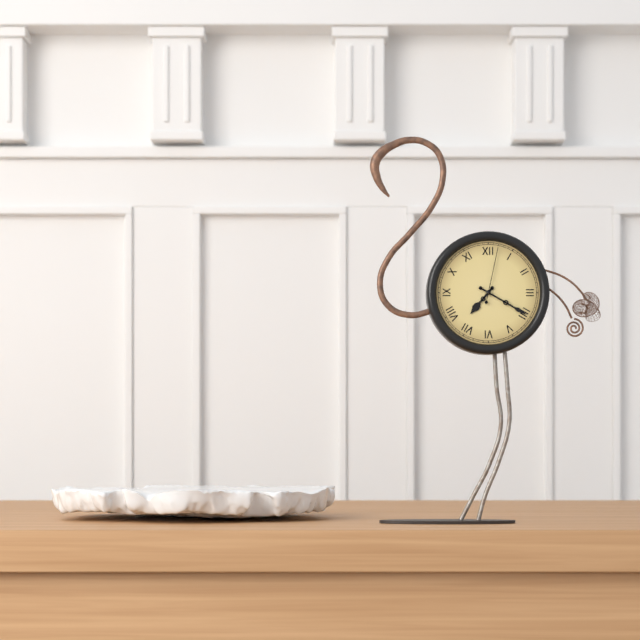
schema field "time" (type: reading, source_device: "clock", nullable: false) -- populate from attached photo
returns 7:20:02
